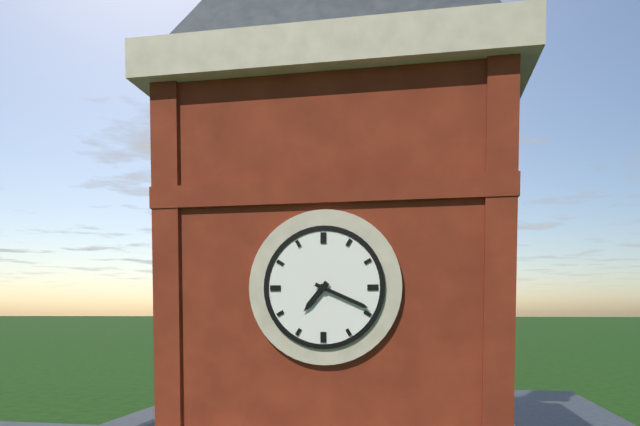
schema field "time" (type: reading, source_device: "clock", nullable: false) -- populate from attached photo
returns 7:19
